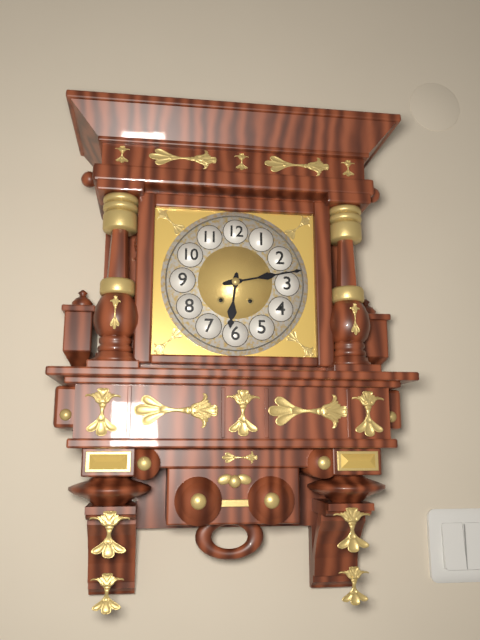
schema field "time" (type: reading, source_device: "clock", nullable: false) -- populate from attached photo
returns 6:13
